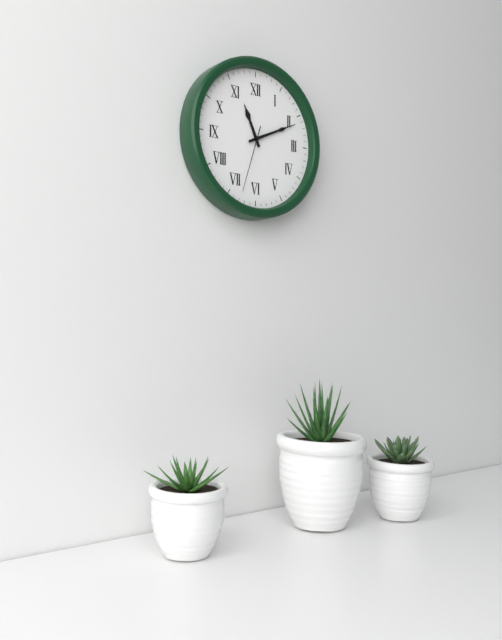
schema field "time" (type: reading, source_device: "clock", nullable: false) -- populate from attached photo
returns 11:11:33
